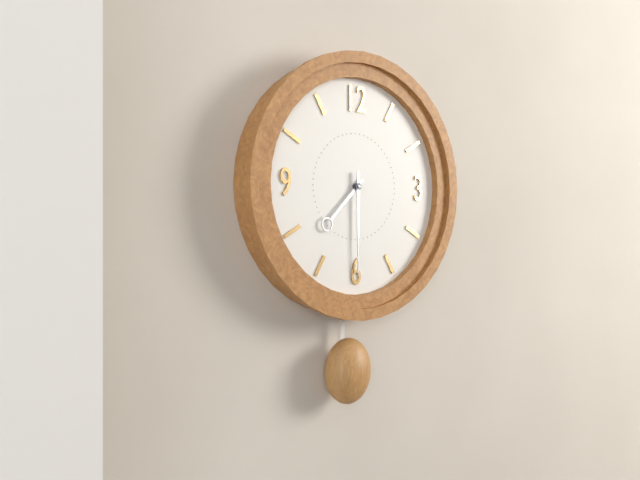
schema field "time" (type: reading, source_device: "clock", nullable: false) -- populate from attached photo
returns 7:30
